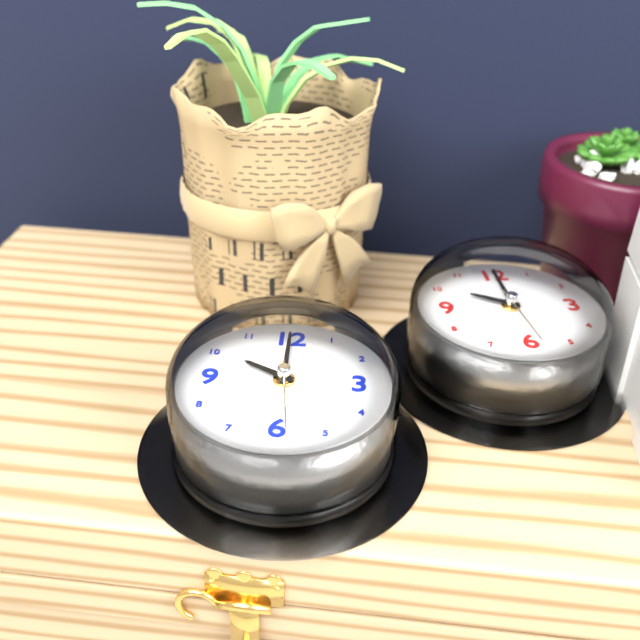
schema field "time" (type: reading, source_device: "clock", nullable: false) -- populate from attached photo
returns 10:00:29
